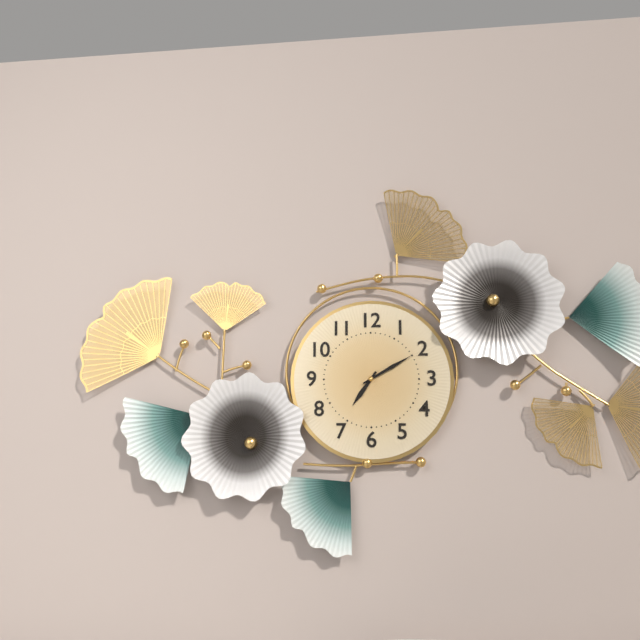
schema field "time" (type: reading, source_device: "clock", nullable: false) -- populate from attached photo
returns 7:10
